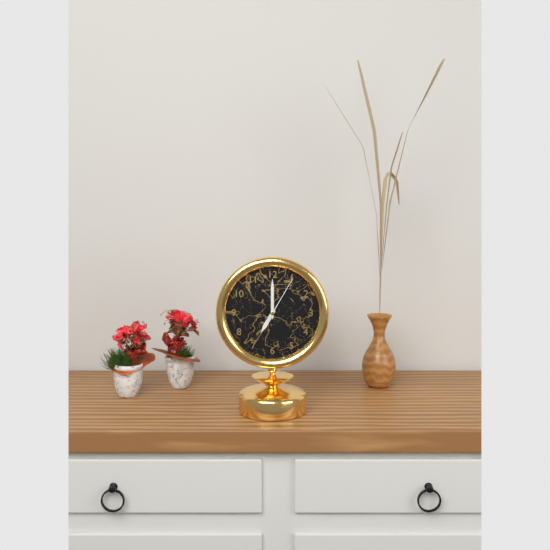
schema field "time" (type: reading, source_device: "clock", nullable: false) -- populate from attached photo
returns 7:00:05
